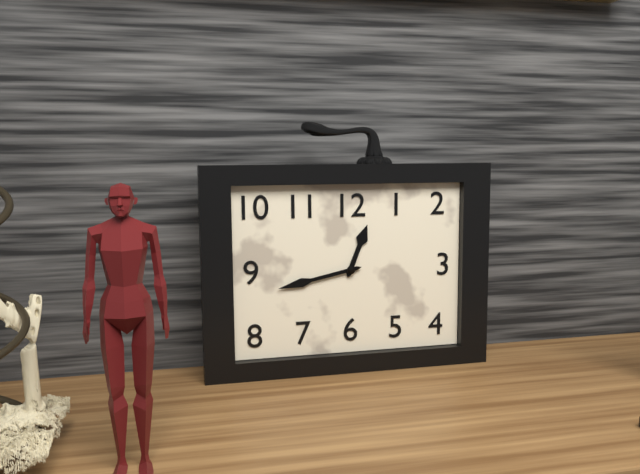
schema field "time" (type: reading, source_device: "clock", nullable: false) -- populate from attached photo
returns 12:43
